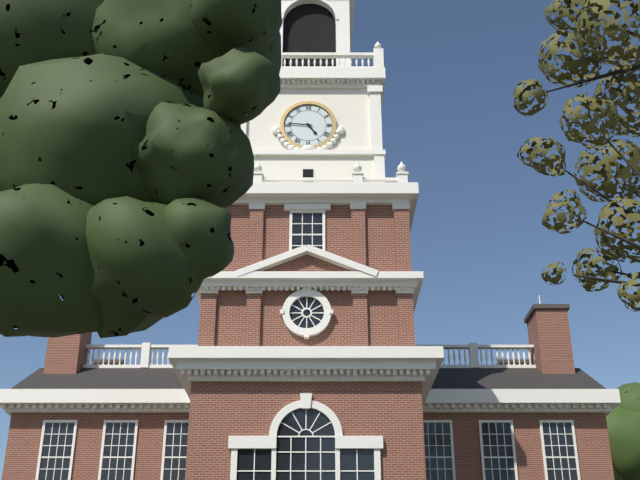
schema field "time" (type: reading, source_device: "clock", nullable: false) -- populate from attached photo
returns 4:46
